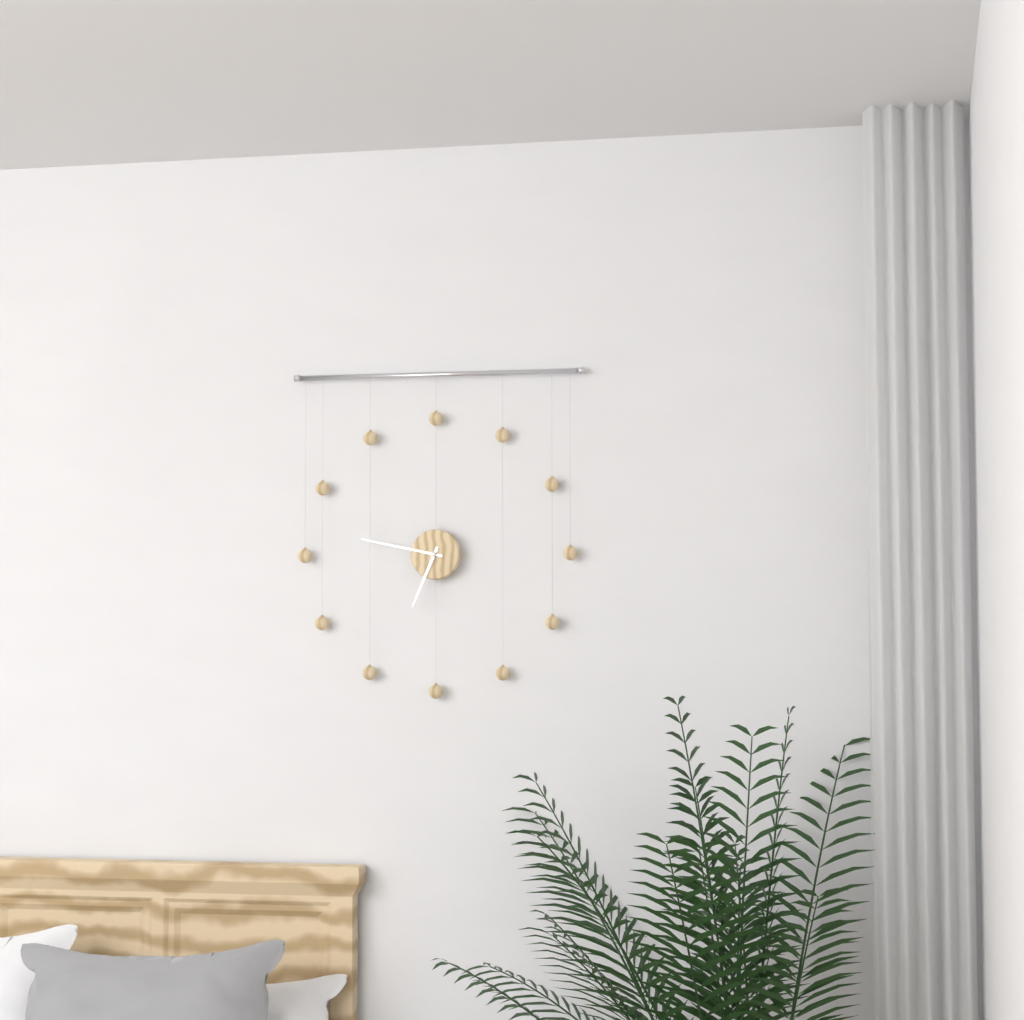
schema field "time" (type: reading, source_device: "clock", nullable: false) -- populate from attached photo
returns 6:47
